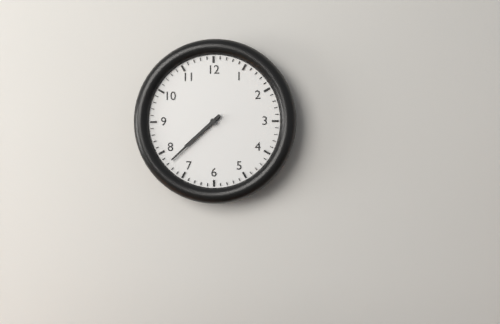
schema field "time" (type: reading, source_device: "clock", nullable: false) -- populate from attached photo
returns 7:38
